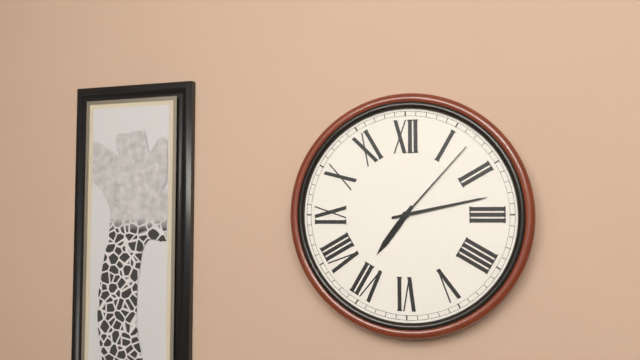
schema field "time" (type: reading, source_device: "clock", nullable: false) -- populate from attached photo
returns 7:13:07
